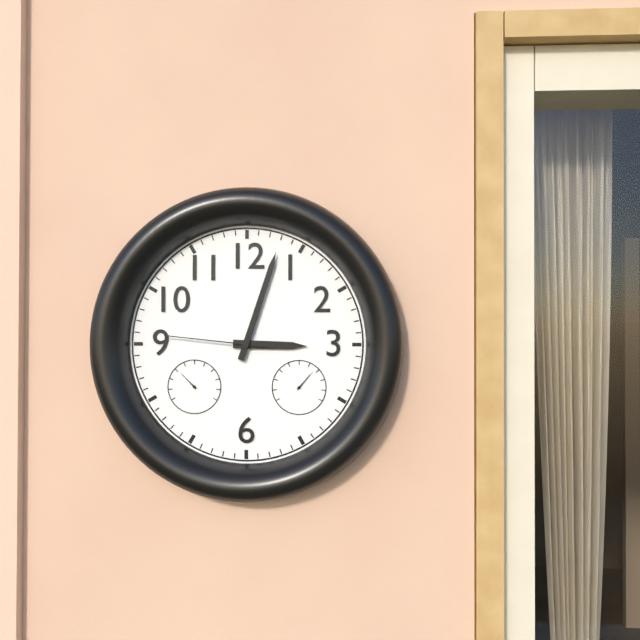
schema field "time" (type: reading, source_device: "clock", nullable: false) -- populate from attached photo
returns 3:03:46
